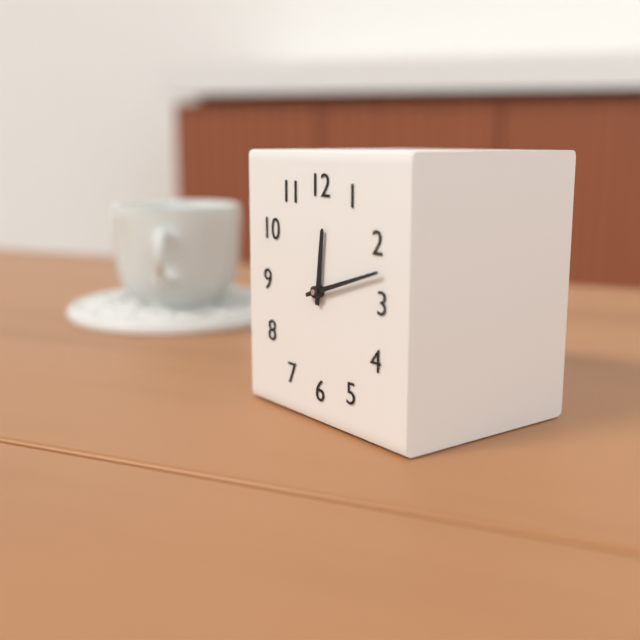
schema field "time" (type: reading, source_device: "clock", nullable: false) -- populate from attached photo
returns 12:12
